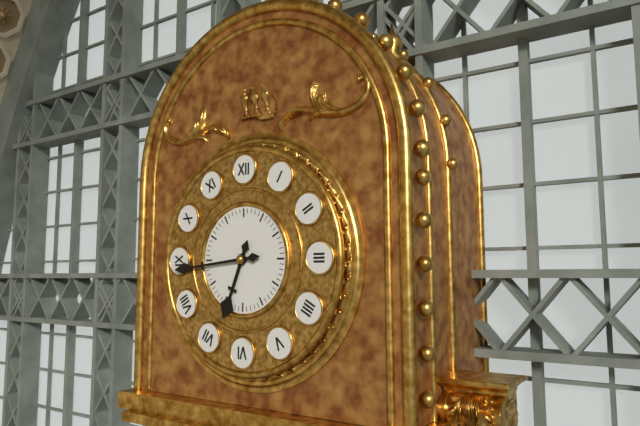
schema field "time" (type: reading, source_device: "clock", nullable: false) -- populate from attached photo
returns 6:44
